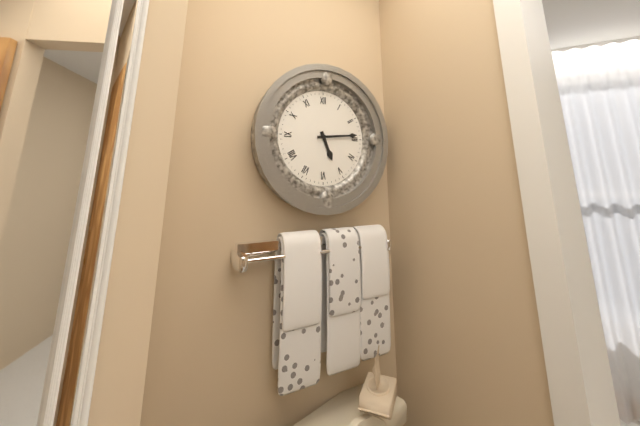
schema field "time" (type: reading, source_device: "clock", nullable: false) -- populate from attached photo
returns 5:14
